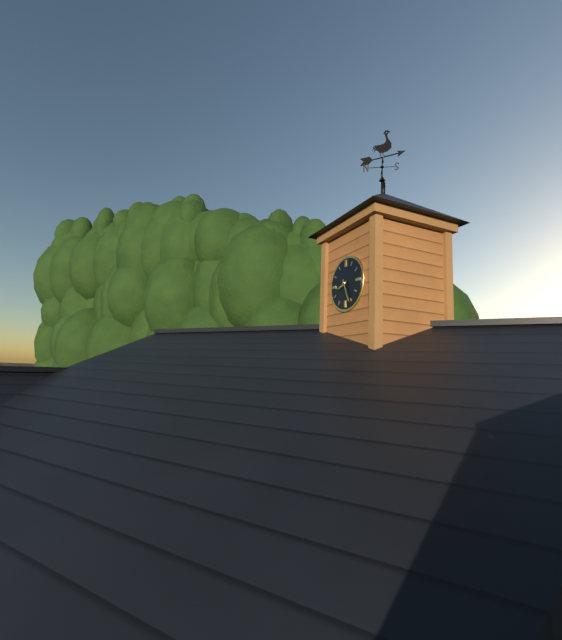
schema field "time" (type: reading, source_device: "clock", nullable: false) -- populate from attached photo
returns 8:26
